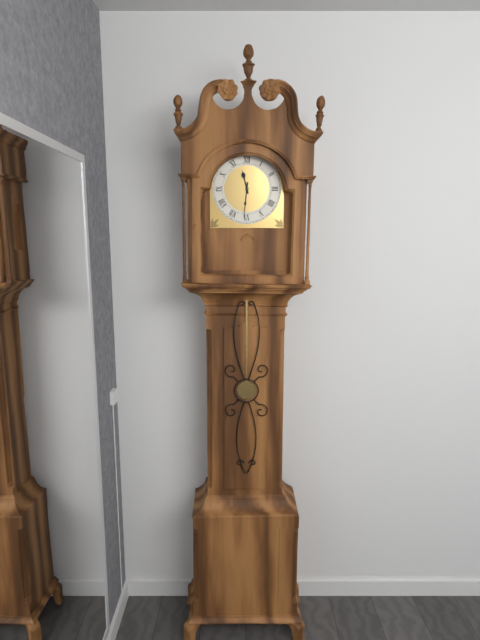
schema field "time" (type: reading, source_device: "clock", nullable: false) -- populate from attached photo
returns 11:31
